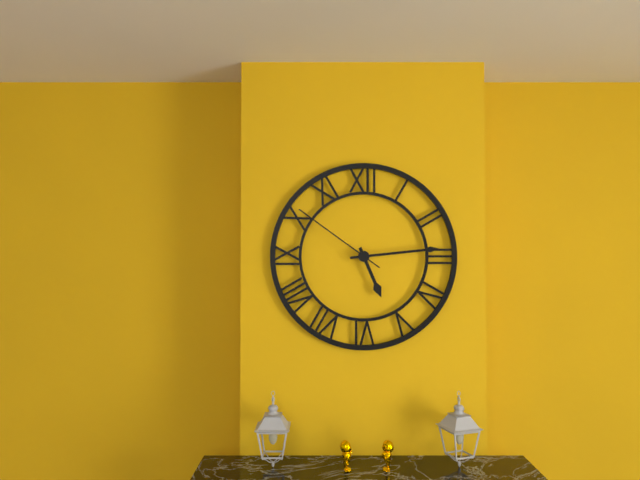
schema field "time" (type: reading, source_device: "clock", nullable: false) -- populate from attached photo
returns 5:14:51
